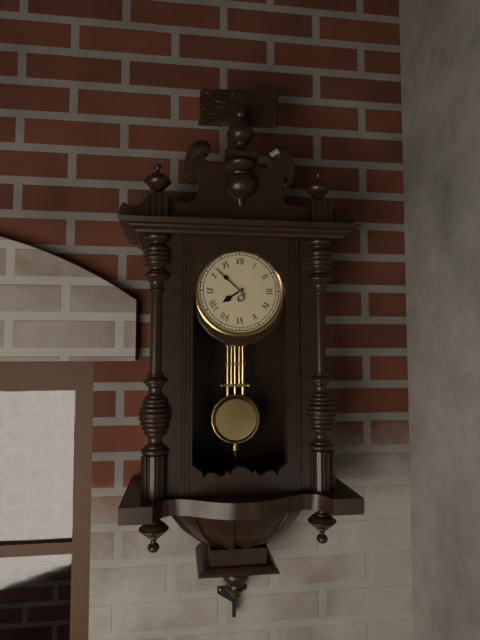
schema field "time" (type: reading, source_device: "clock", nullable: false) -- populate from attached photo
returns 7:52
